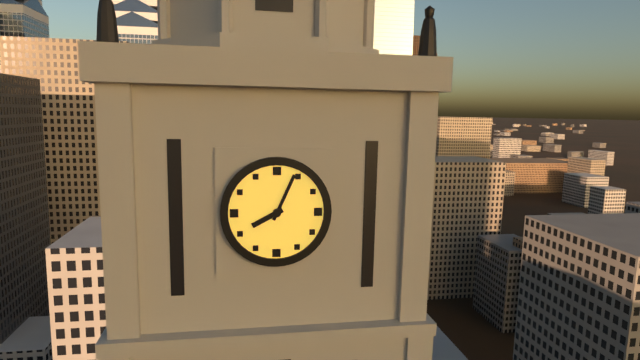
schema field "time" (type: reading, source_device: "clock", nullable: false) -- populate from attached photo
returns 8:04
